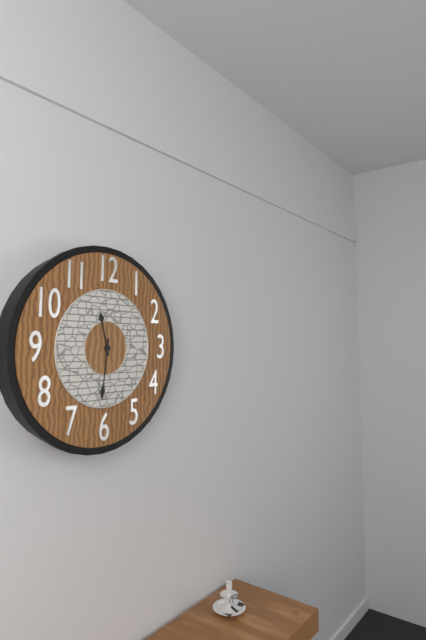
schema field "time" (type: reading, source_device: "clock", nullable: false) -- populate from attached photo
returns 11:31
